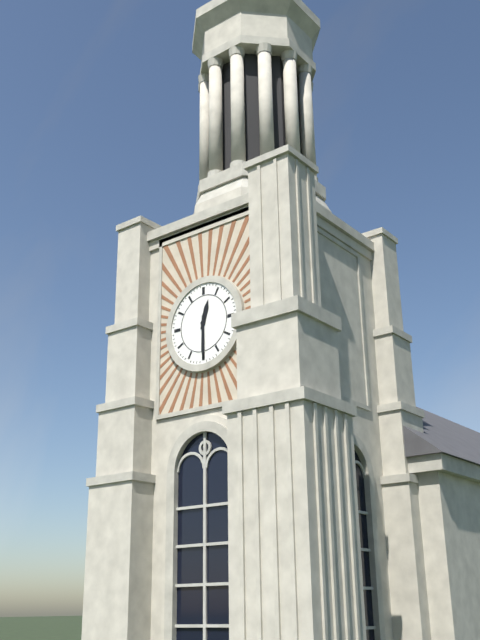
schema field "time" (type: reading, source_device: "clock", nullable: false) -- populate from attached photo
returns 12:30
